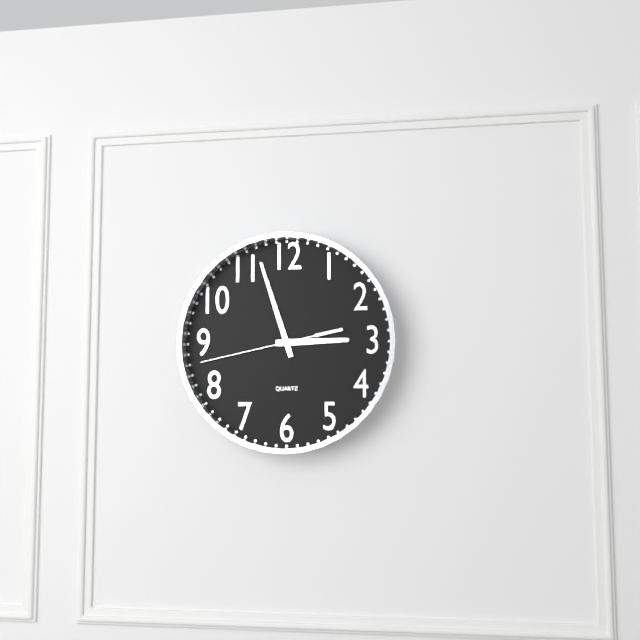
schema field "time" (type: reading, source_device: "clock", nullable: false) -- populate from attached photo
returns 2:57:43
